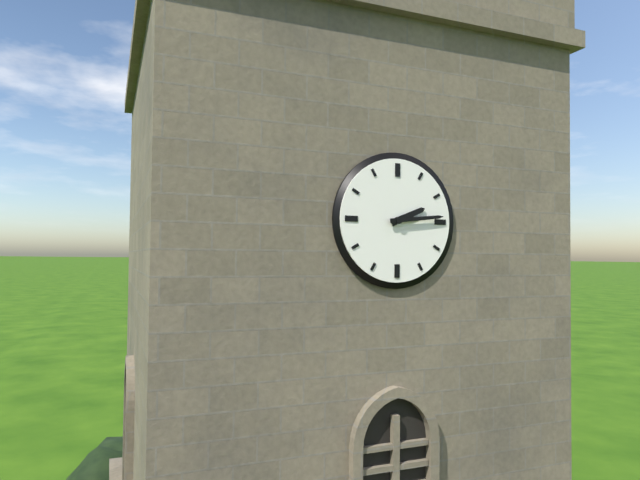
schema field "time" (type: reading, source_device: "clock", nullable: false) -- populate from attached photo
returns 2:14
